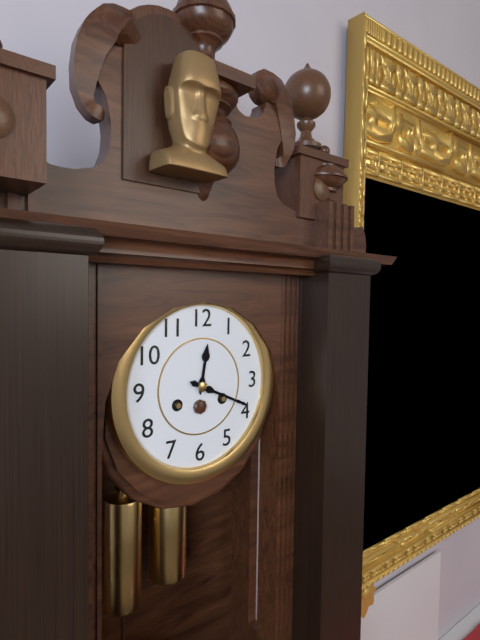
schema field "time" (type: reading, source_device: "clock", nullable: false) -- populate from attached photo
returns 12:19
